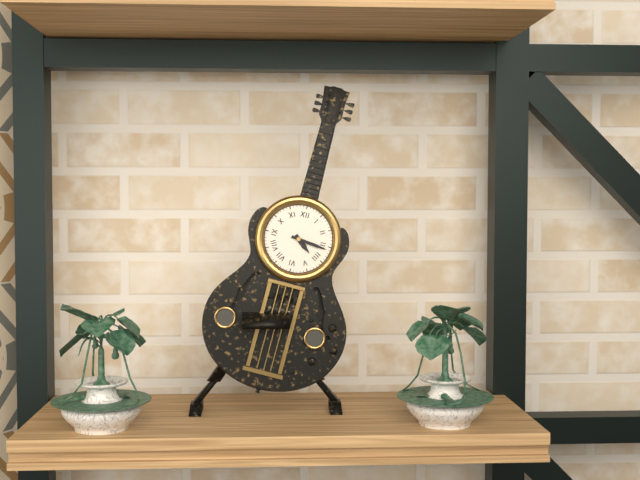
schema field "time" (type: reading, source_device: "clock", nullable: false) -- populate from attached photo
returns 4:16
